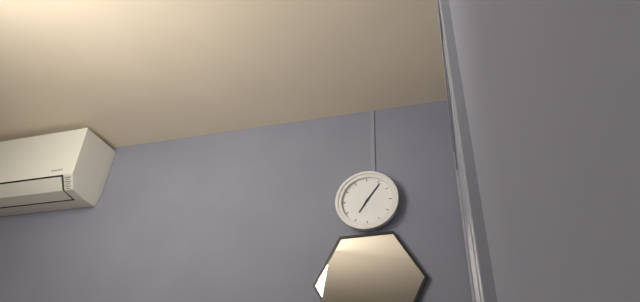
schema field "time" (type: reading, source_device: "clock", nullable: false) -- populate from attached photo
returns 7:06
